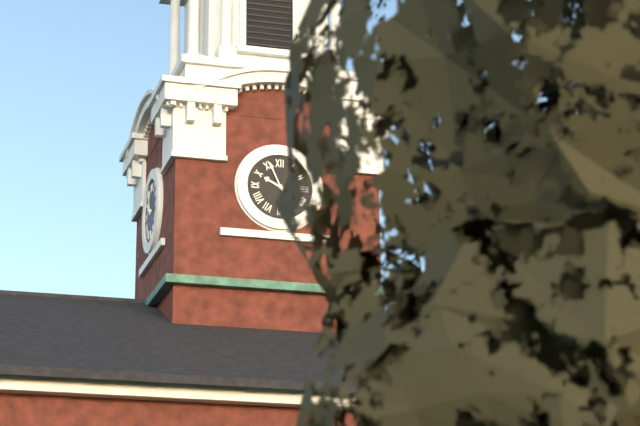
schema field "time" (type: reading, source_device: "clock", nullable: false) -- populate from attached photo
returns 9:56
